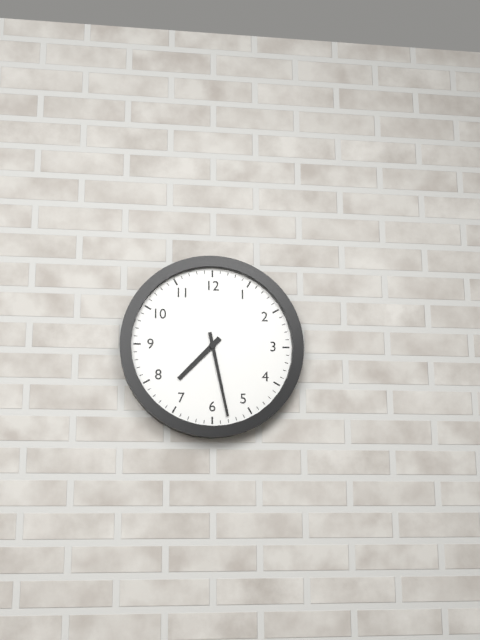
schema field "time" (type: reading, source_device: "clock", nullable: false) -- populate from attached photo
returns 7:28
